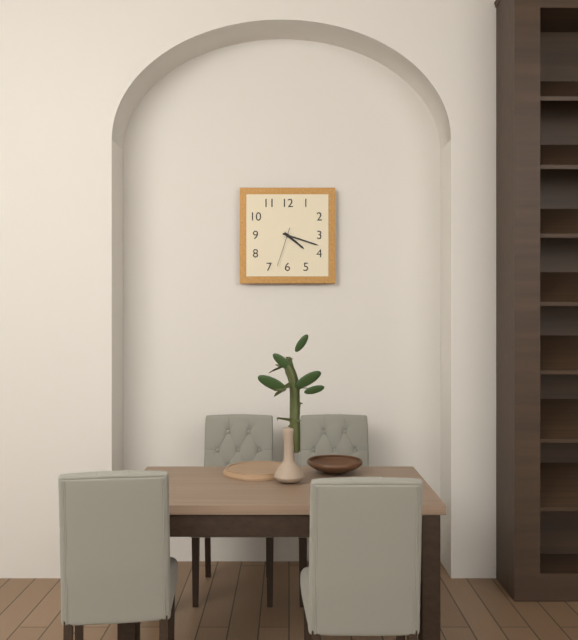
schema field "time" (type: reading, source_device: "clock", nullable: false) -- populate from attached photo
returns 4:18
